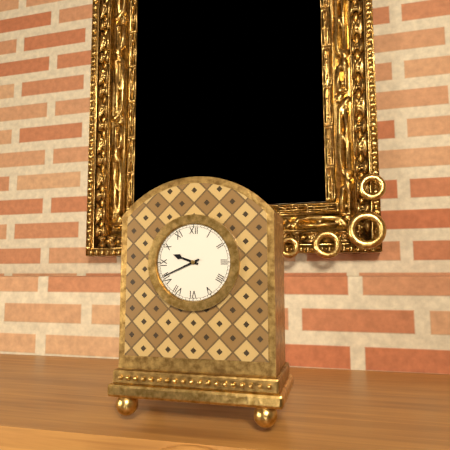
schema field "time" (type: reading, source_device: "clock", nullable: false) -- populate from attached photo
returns 9:41
